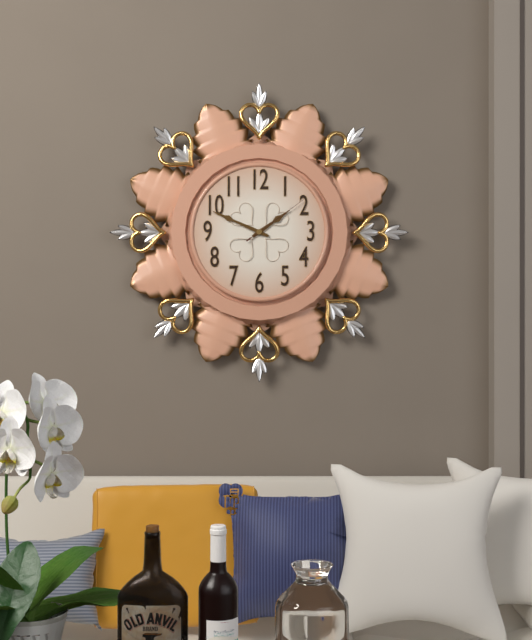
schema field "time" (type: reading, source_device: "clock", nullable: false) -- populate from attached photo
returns 1:49:09
